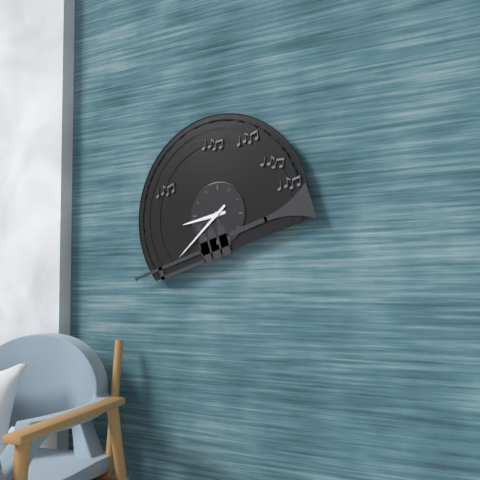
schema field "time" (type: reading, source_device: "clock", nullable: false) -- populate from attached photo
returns 8:38
